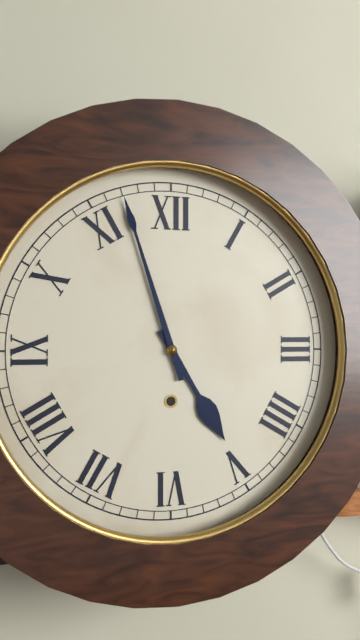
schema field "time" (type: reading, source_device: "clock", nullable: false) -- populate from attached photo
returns 4:57
